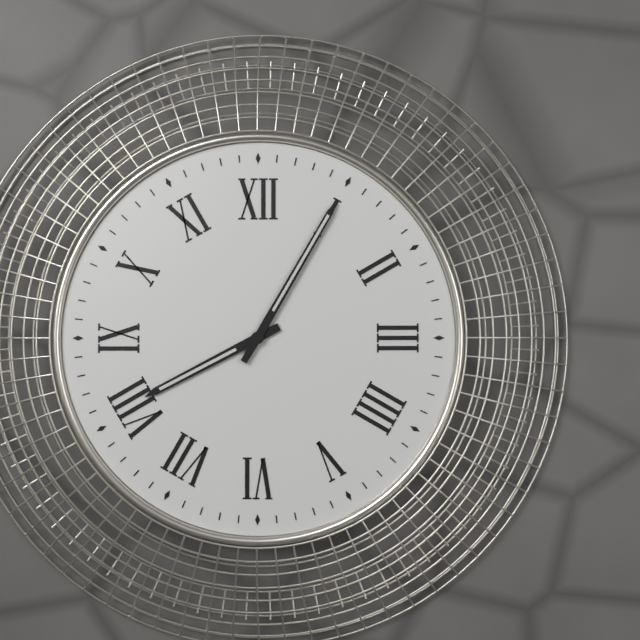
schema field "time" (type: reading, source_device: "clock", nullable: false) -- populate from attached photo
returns 8:05
